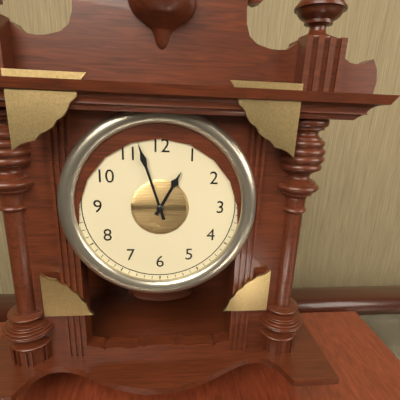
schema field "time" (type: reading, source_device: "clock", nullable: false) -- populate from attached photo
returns 12:57
